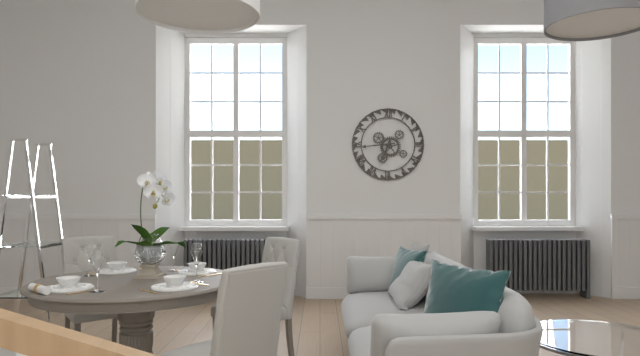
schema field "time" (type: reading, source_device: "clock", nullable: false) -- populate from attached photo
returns 6:44
